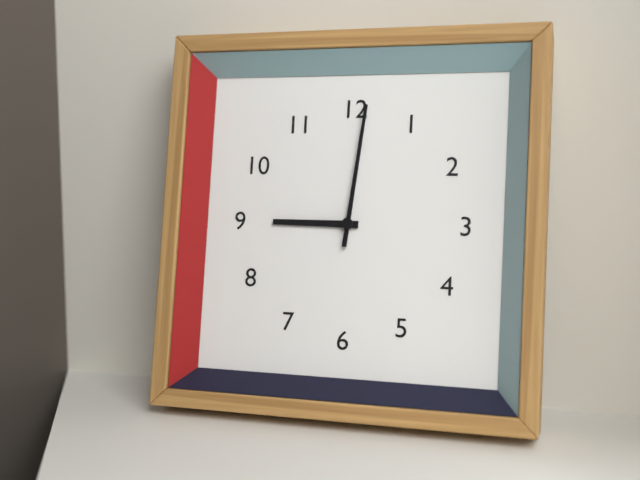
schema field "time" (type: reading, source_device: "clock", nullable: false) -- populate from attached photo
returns 9:01
